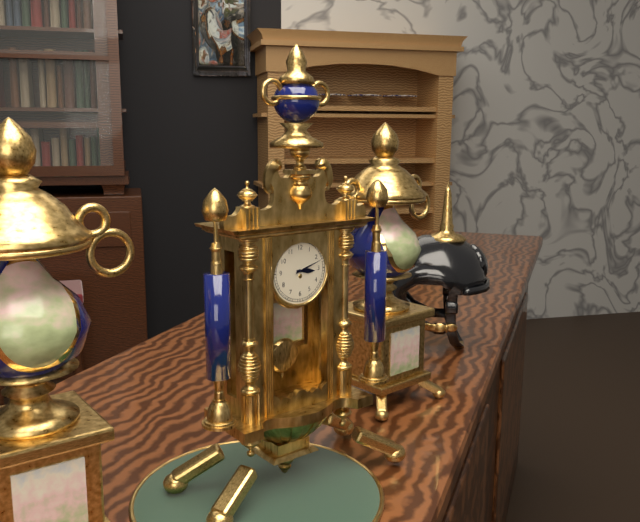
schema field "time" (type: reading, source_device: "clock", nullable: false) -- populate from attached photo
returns 3:12
